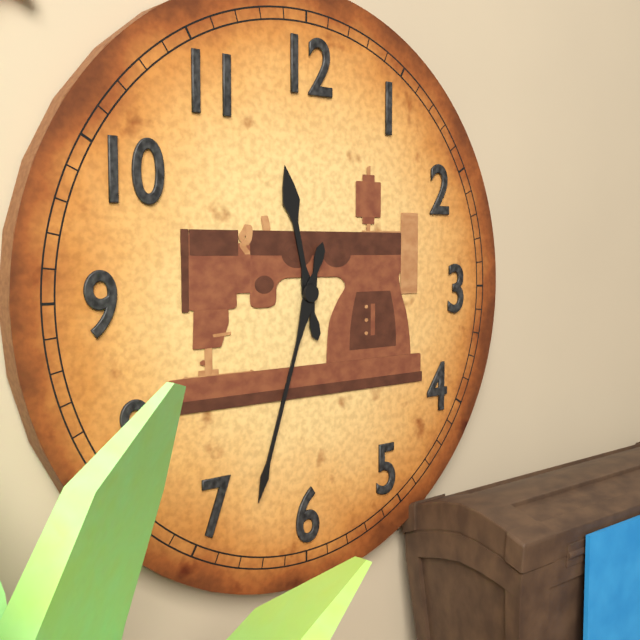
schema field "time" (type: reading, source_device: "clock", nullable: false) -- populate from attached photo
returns 11:33
